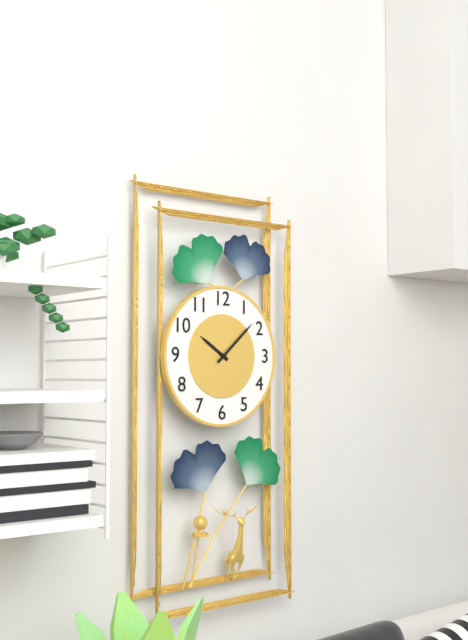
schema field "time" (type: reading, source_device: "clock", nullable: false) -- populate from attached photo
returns 10:08
